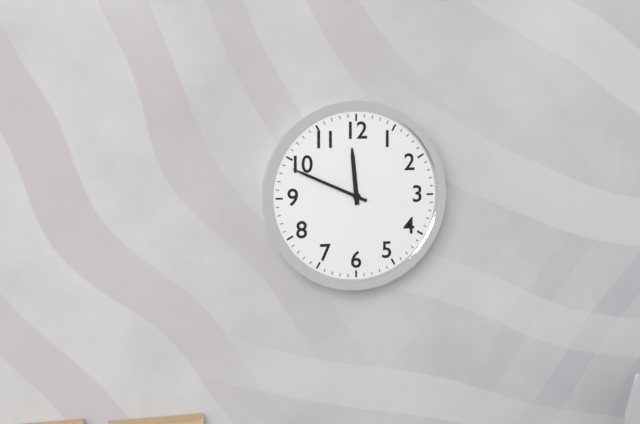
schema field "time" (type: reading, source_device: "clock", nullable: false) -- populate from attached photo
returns 11:49
